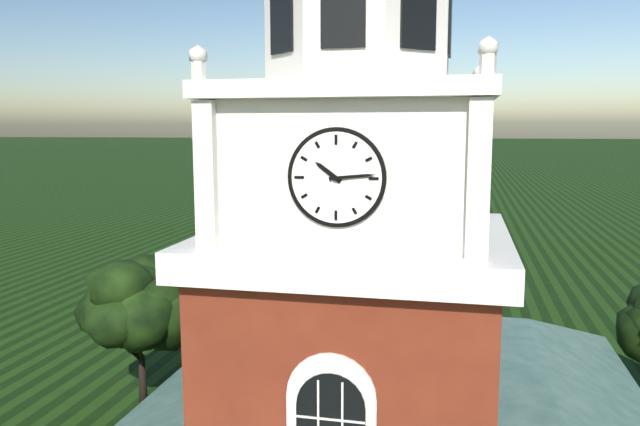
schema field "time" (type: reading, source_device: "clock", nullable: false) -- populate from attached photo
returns 10:14
